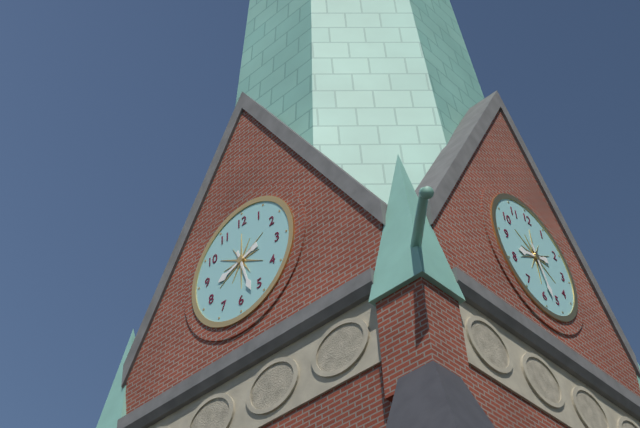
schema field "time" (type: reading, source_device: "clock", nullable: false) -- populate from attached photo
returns 8:27
